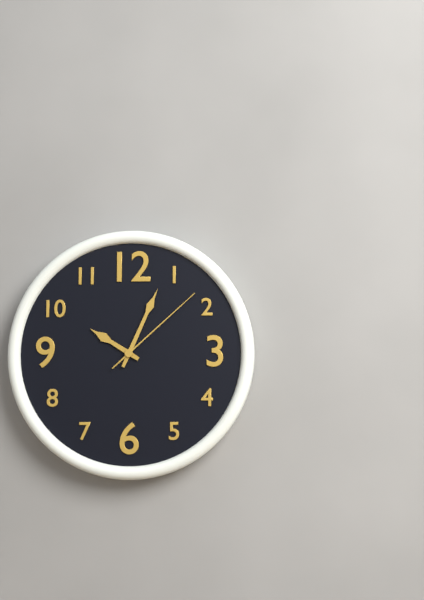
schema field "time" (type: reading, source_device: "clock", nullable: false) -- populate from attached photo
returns 10:04:08
